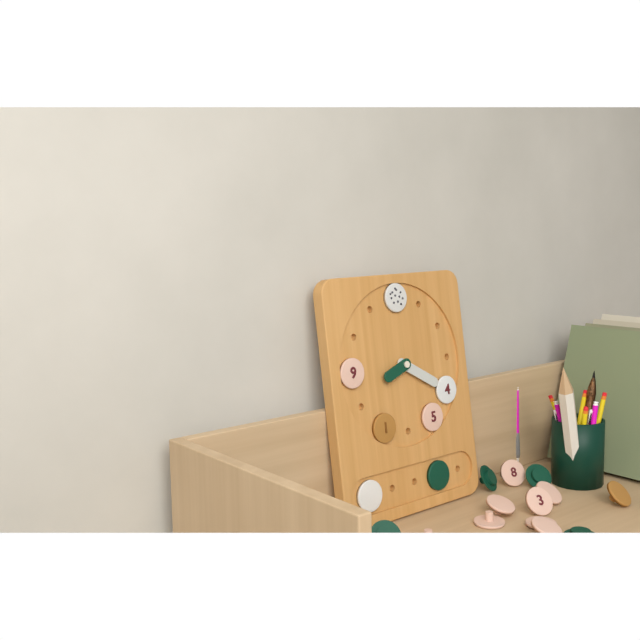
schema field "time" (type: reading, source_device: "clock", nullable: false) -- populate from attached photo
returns 8:20
